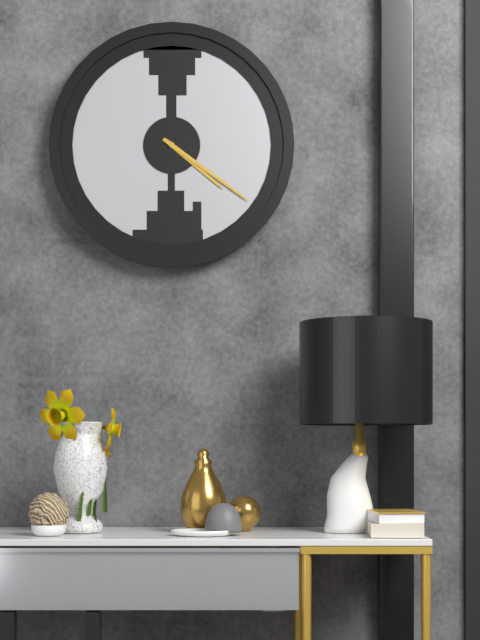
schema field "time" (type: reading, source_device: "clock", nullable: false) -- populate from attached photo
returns 4:21
